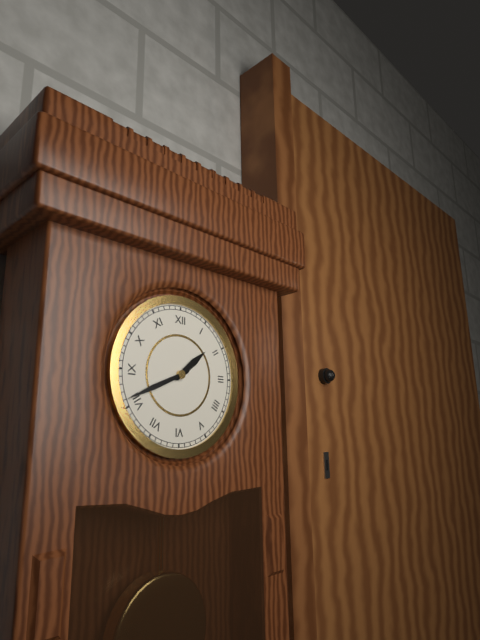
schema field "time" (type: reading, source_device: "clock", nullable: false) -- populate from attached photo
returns 1:41
